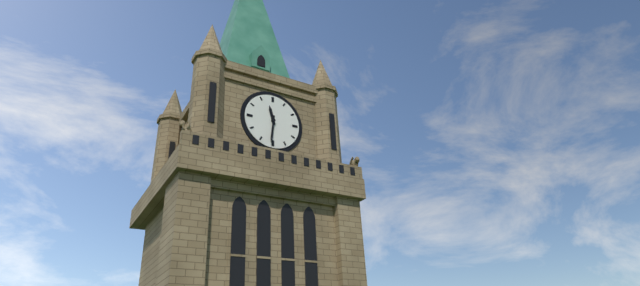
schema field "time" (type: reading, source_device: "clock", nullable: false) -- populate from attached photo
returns 11:31
